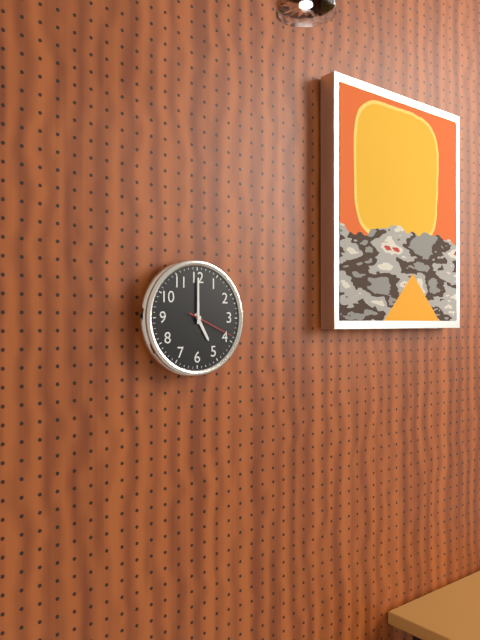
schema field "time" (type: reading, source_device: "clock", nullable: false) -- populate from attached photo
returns 5:00
